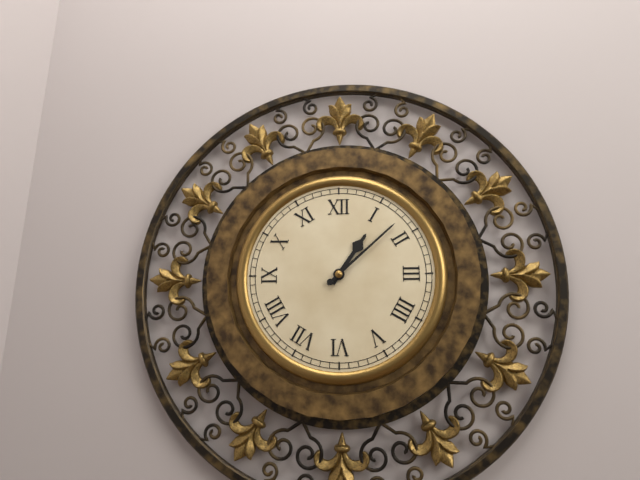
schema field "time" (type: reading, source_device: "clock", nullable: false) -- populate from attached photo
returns 1:08
